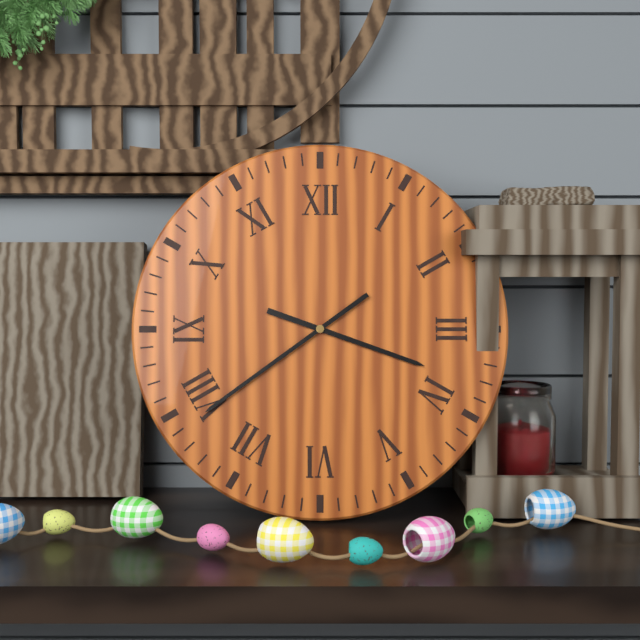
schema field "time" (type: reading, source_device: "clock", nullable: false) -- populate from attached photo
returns 3:39
